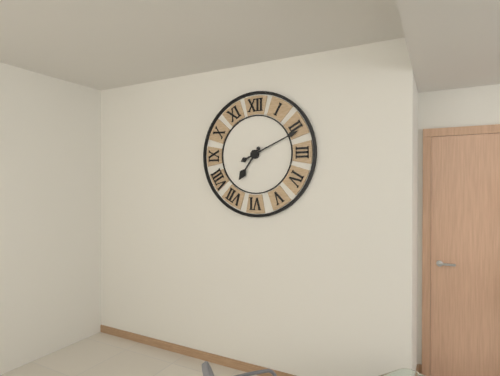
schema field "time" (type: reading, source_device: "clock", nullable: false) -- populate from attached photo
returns 7:11
